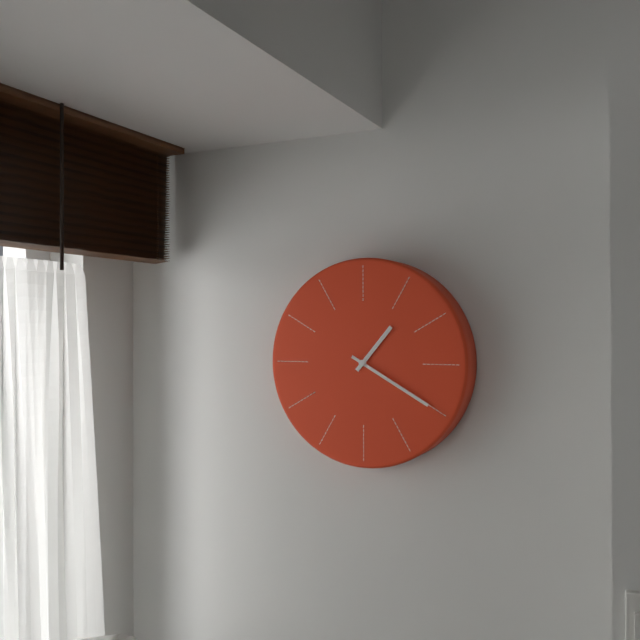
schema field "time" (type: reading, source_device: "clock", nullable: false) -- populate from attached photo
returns 1:20
